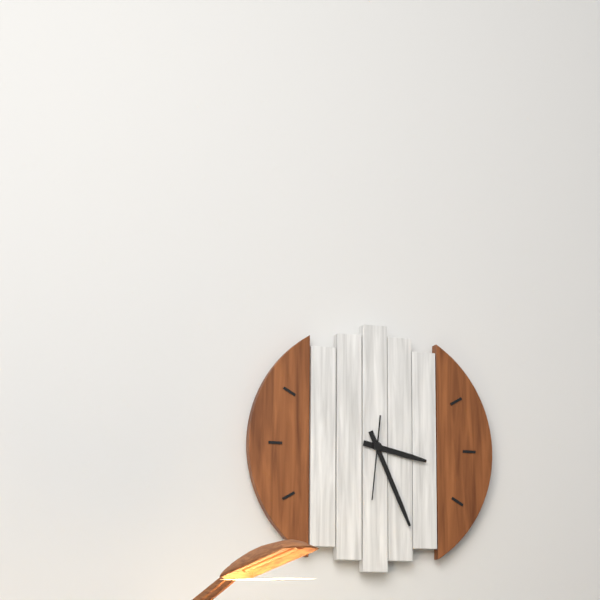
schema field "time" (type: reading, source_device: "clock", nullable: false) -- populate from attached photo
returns 3:26:31
